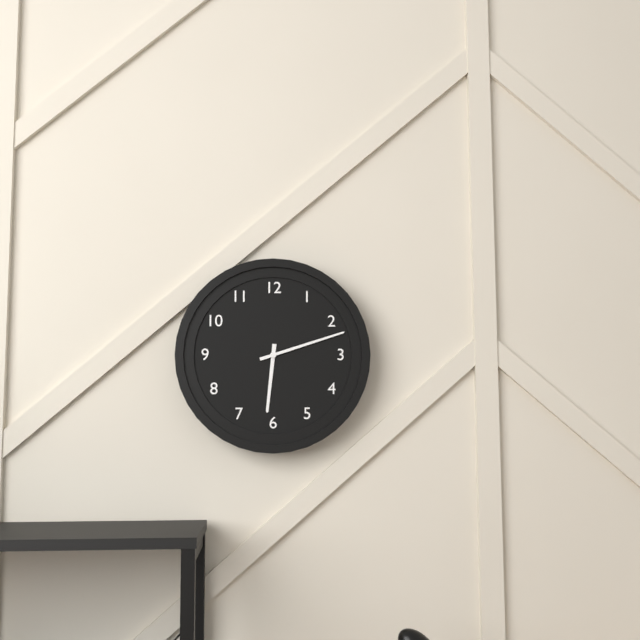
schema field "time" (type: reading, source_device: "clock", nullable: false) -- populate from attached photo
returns 6:12
